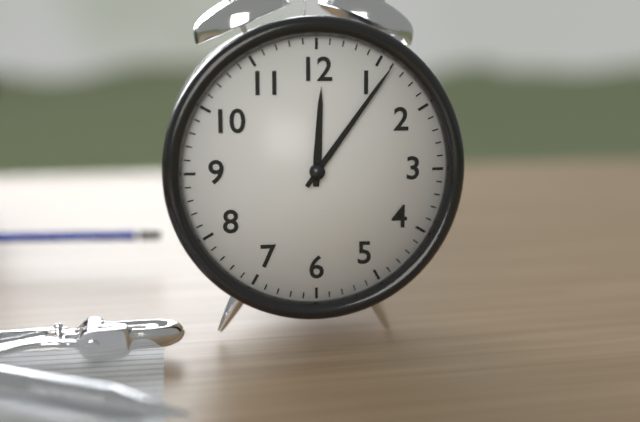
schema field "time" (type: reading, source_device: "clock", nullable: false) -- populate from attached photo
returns 12:06
